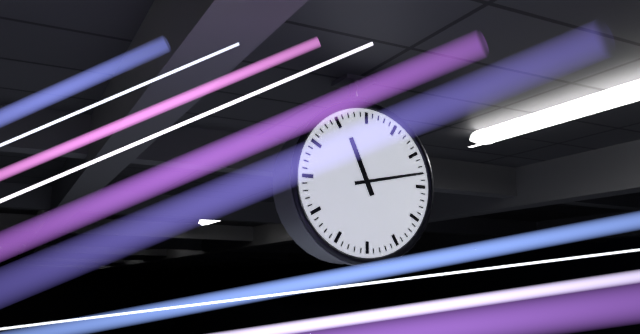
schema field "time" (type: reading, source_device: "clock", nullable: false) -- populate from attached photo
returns 11:13
